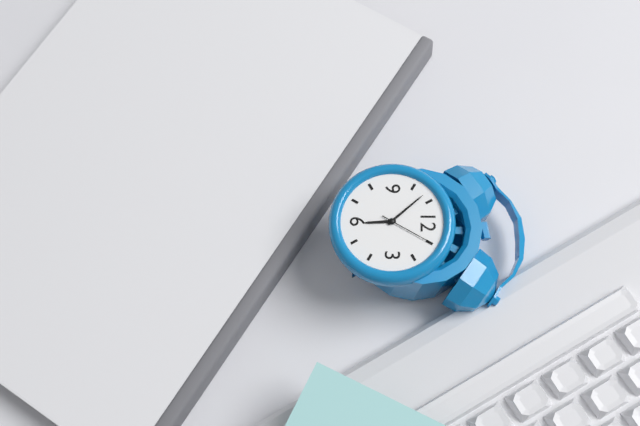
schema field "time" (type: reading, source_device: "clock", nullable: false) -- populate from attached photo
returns 5:53:05
